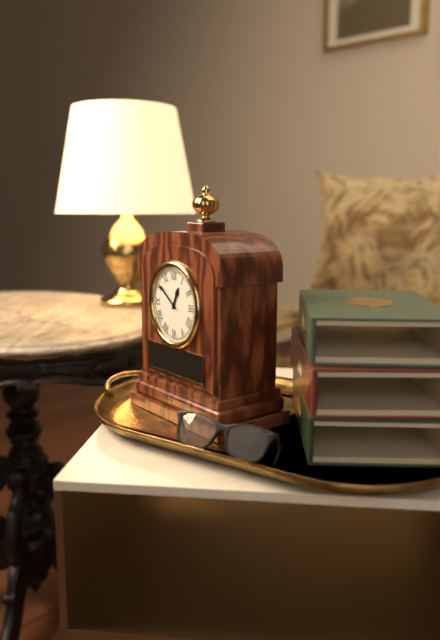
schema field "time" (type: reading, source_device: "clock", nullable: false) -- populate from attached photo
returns 12:51
